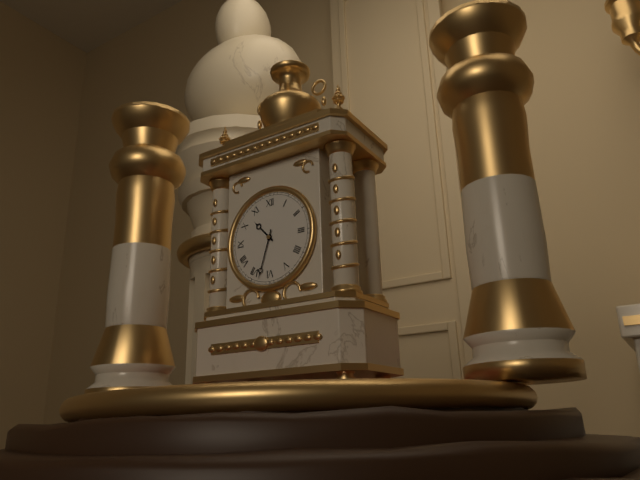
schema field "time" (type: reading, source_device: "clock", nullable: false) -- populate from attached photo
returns 10:33
